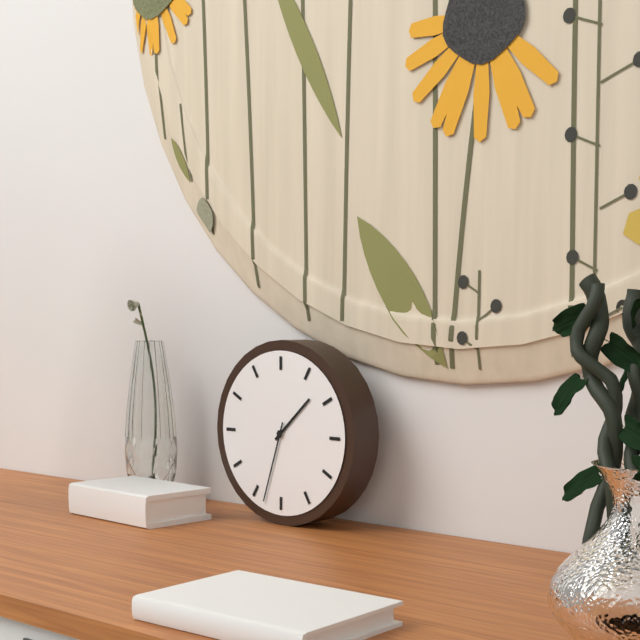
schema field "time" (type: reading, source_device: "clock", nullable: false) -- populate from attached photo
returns 1:33
